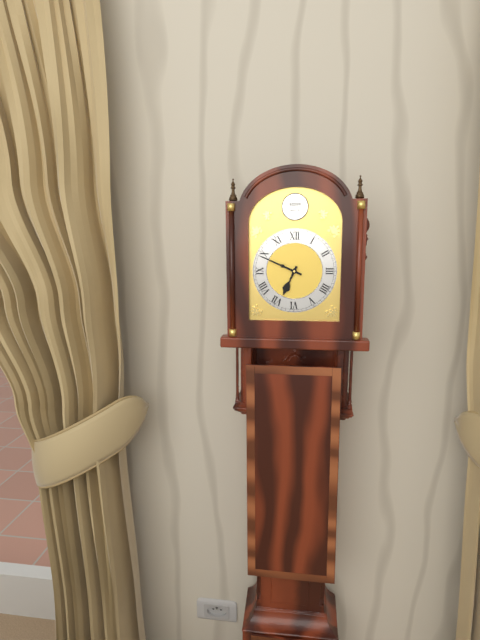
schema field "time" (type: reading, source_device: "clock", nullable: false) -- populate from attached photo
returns 6:49
